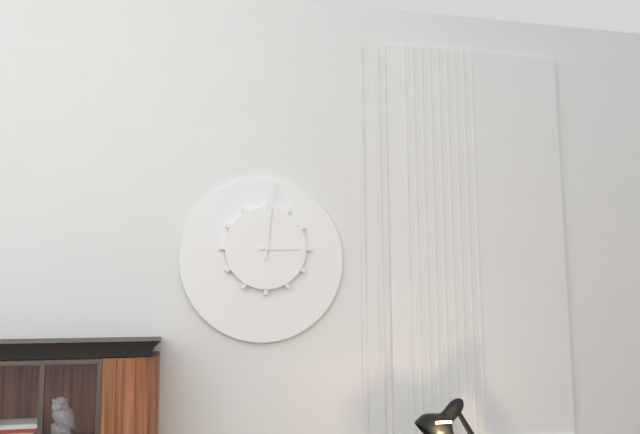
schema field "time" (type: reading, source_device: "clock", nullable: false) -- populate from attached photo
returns 3:01
